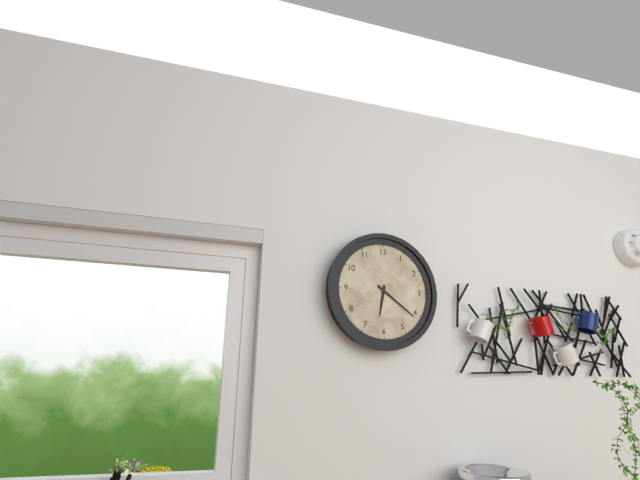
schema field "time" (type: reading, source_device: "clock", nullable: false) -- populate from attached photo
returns 6:21
